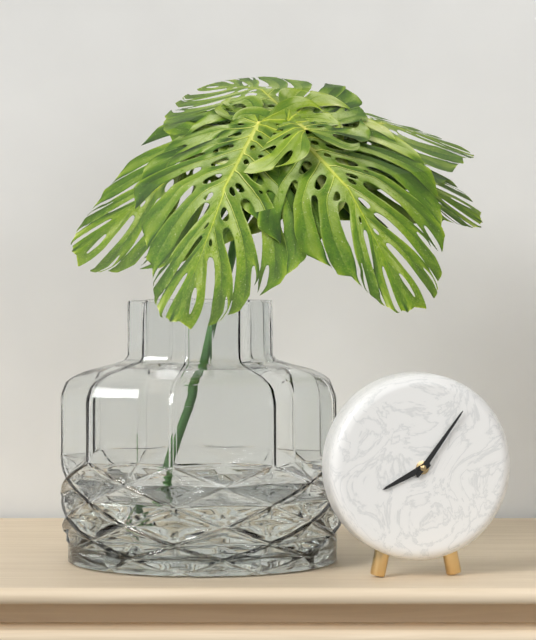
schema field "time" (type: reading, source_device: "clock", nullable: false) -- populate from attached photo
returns 8:06
